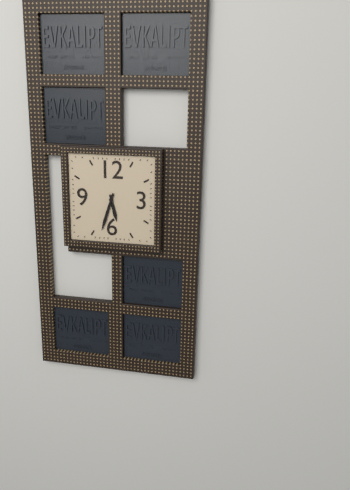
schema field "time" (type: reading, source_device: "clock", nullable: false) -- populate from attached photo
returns 5:33
